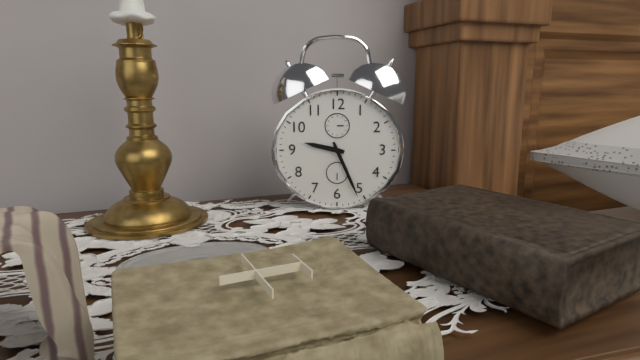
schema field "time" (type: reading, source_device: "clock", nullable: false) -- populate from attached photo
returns 9:26
